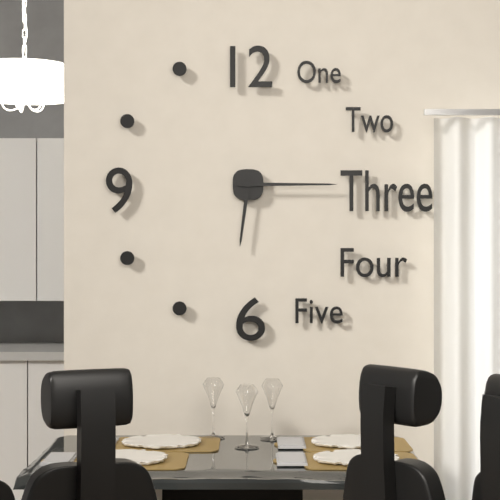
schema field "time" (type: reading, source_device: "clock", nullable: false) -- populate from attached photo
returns 6:15
